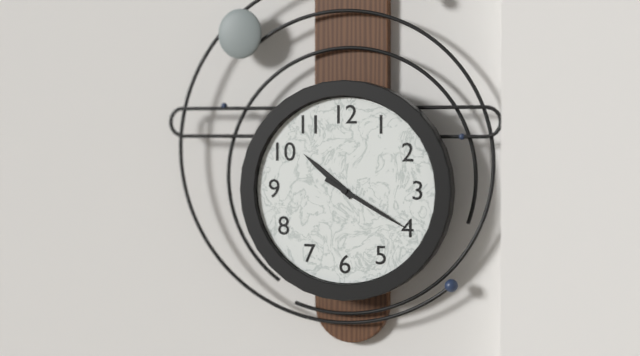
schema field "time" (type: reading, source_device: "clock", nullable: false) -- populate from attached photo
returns 10:20
